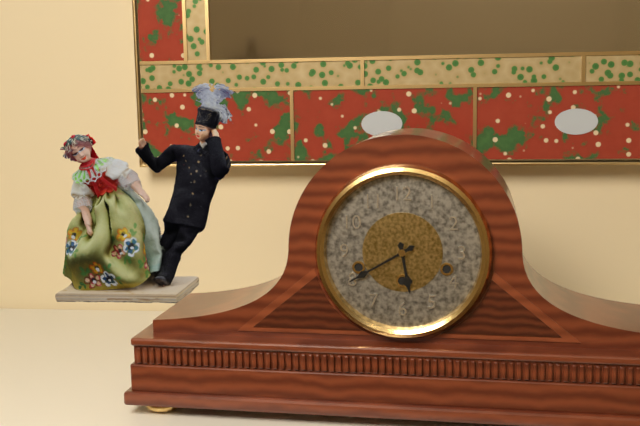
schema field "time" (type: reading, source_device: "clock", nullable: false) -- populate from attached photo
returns 5:40
